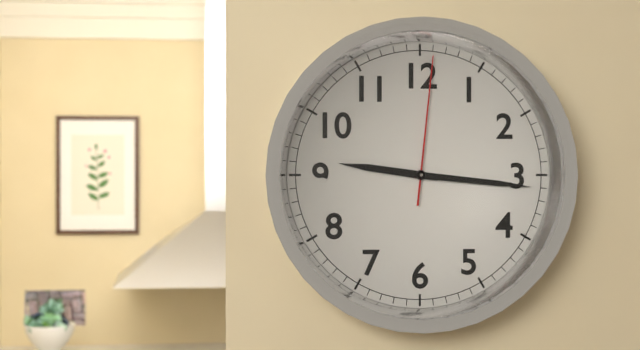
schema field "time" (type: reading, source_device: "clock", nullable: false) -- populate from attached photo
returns 9:16:01
